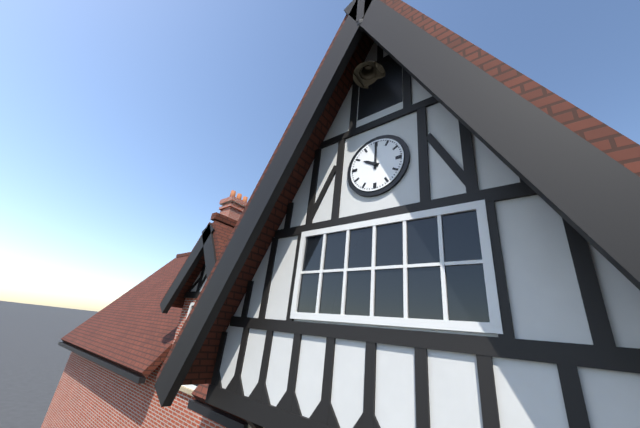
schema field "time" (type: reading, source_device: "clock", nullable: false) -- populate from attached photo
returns 10:00
